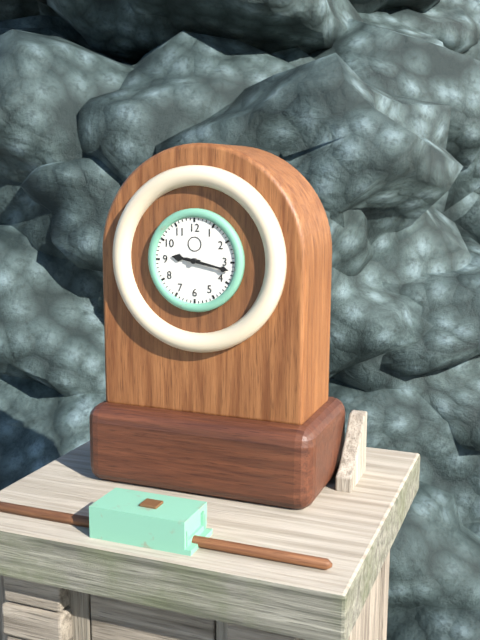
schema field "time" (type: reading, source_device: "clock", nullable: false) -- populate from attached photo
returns 9:17
